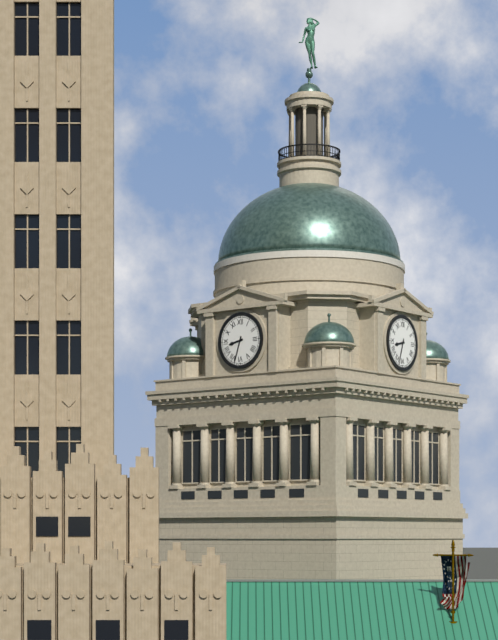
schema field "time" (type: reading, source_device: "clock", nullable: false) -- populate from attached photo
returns 8:33
